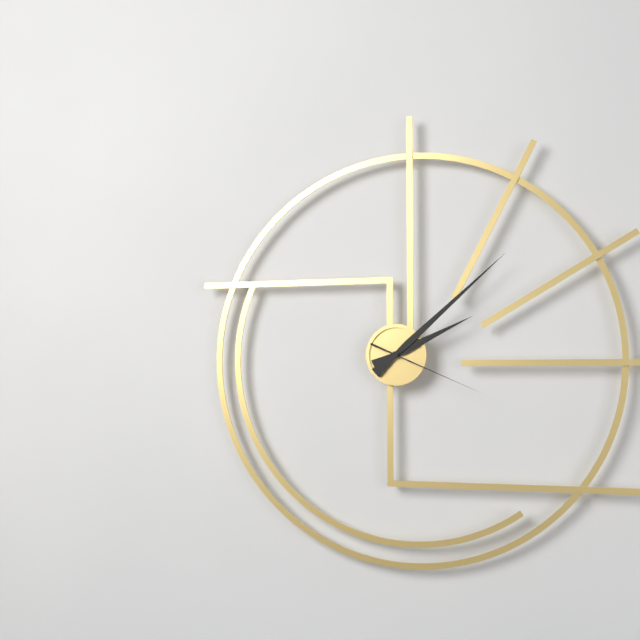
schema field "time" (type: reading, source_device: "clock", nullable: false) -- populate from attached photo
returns 2:08:19
